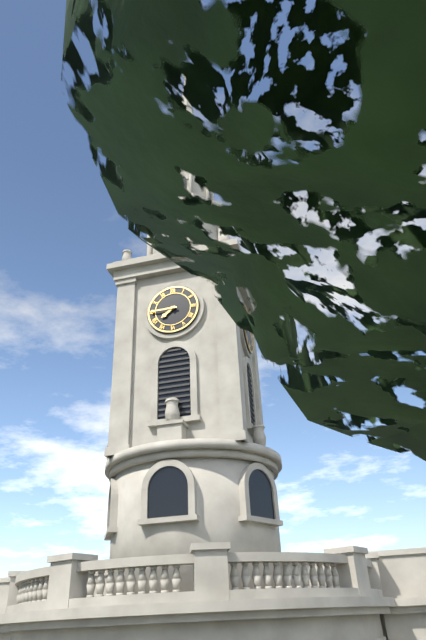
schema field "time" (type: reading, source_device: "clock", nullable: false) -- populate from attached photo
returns 7:45
